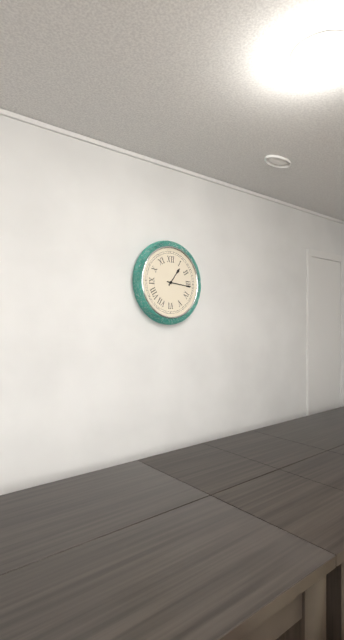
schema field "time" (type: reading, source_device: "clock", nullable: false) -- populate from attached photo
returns 1:16
